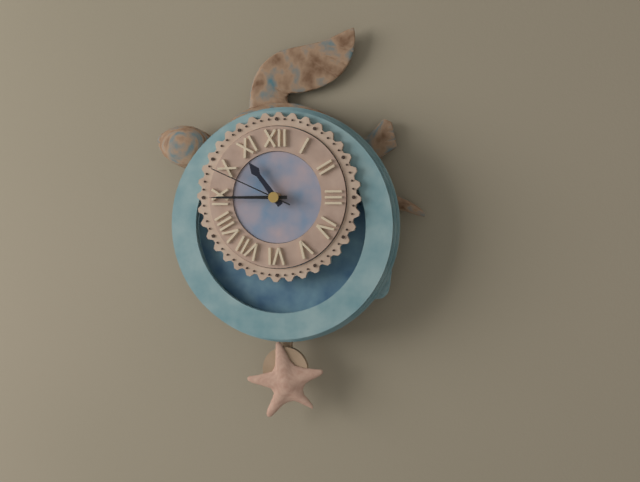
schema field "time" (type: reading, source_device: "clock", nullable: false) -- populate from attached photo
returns 10:45:49
